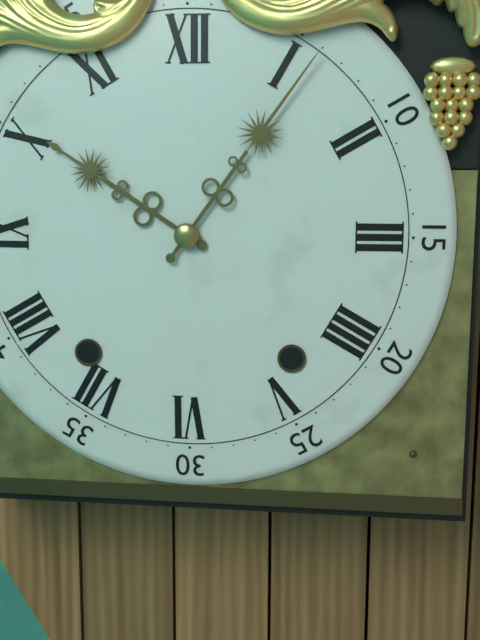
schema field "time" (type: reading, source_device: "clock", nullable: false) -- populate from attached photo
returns 10:06
